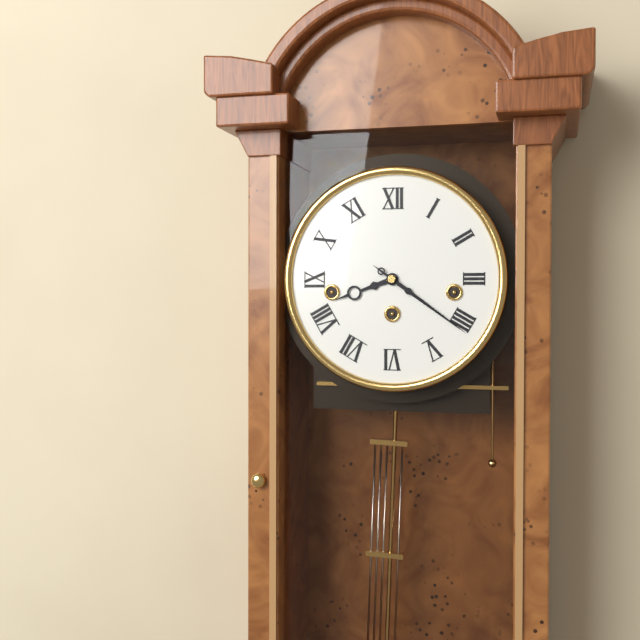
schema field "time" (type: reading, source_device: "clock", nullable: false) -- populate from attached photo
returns 8:21
